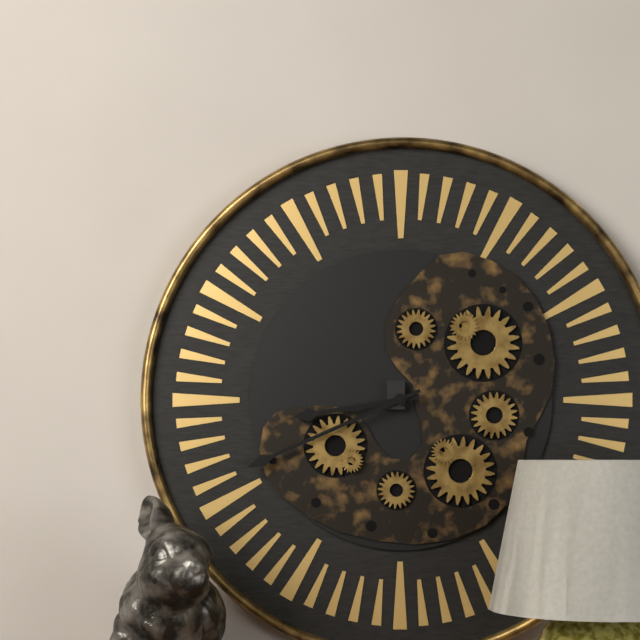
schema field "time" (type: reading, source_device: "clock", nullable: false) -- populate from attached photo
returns 8:41
